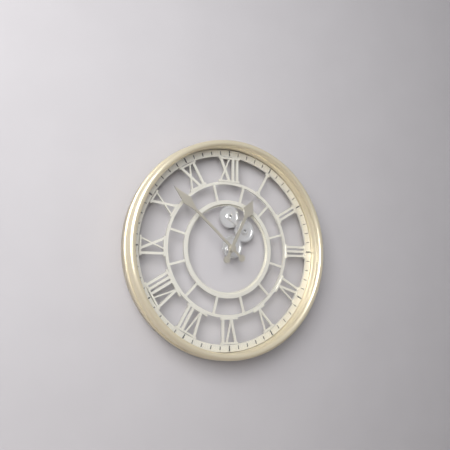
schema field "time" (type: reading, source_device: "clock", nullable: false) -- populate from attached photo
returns 12:52
